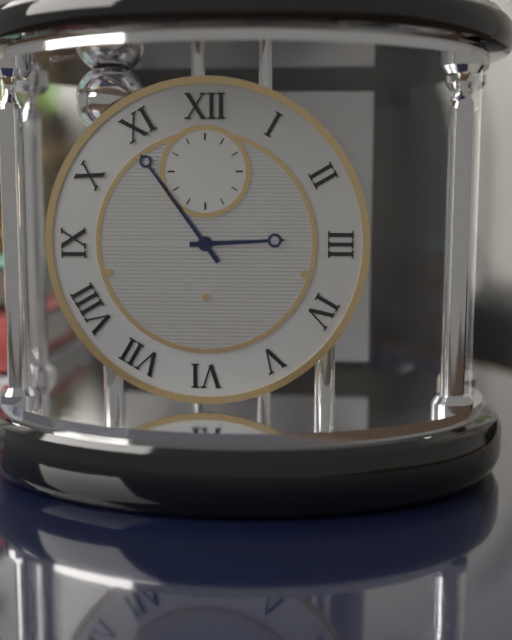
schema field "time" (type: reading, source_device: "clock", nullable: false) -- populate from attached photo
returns 2:54
